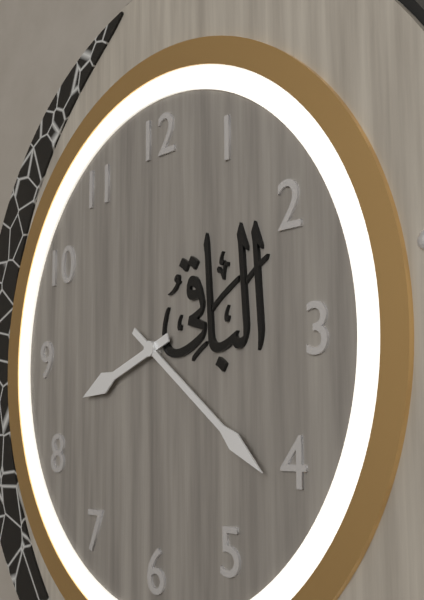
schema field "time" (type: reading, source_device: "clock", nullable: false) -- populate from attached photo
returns 8:21
